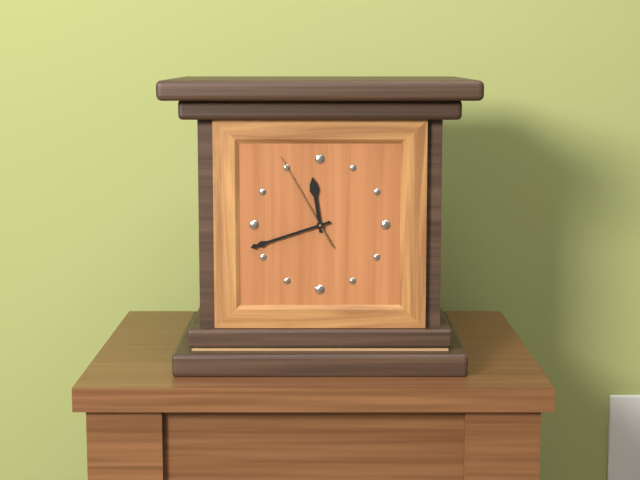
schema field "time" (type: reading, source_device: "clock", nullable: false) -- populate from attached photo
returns 11:42:55
